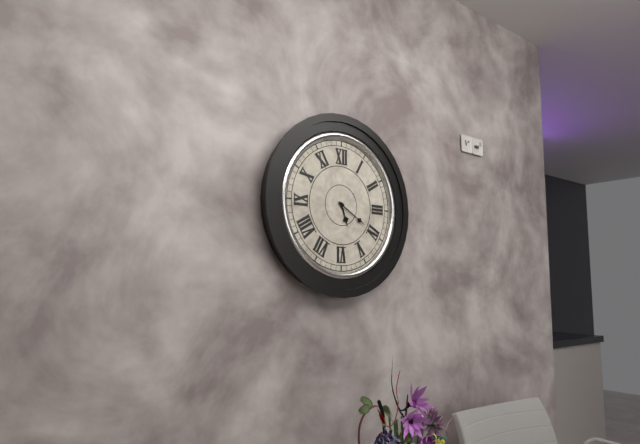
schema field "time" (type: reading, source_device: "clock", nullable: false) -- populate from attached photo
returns 5:20
